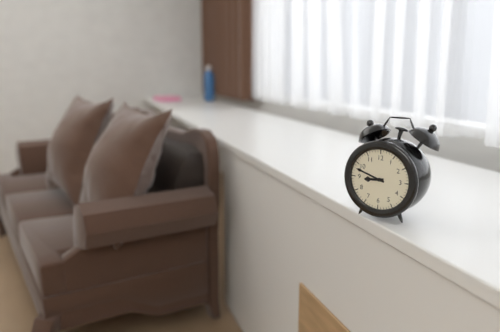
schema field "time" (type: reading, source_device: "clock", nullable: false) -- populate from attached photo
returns 8:48
